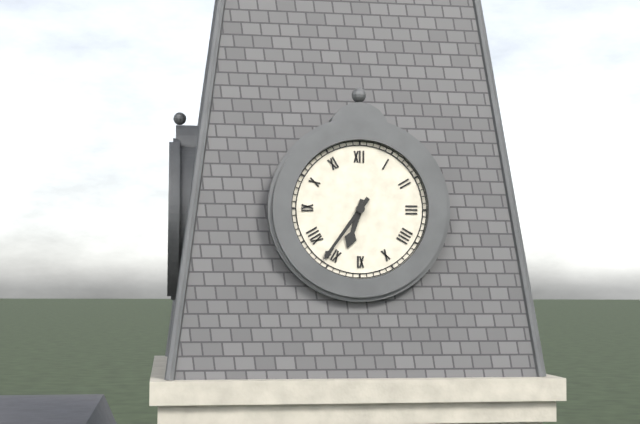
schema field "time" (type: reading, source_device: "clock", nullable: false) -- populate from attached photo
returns 6:36
